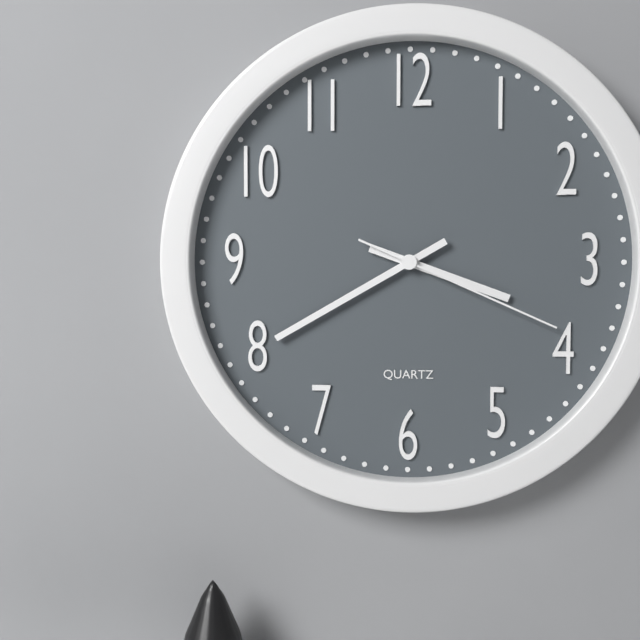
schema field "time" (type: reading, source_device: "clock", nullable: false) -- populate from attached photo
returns 3:40:19
